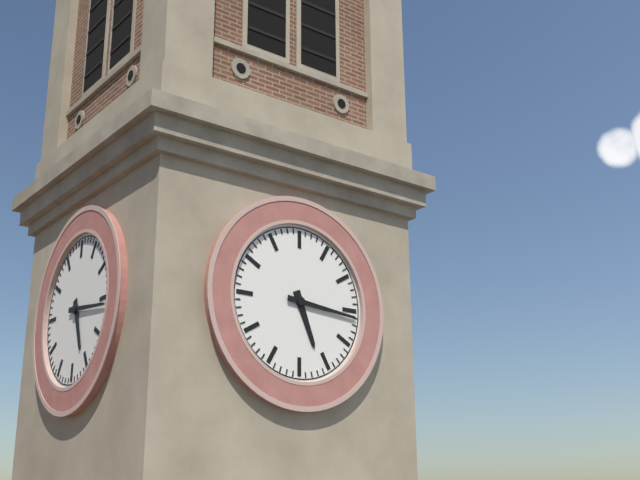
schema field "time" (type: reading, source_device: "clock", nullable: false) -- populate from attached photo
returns 5:16
